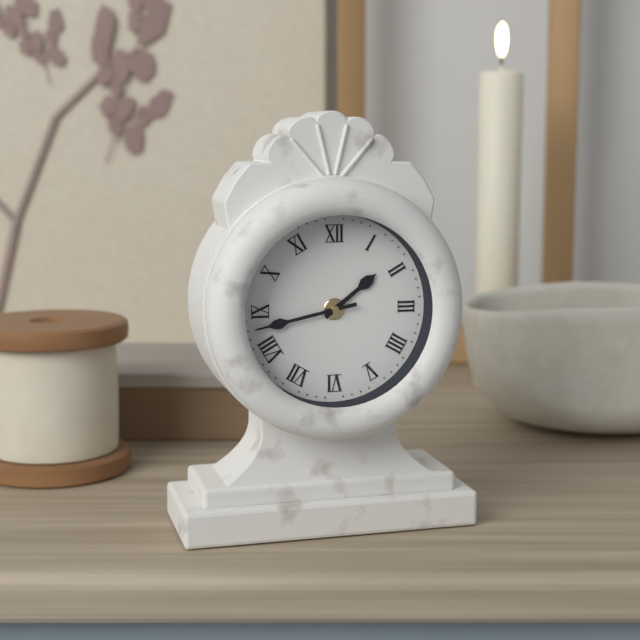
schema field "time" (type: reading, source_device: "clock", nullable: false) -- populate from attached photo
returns 1:43
